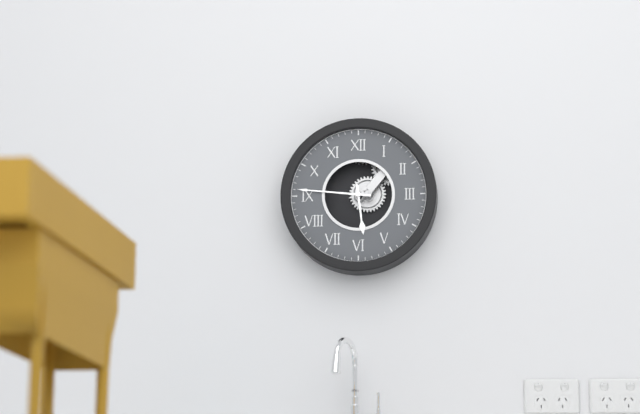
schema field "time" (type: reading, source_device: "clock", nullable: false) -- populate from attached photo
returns 5:46
